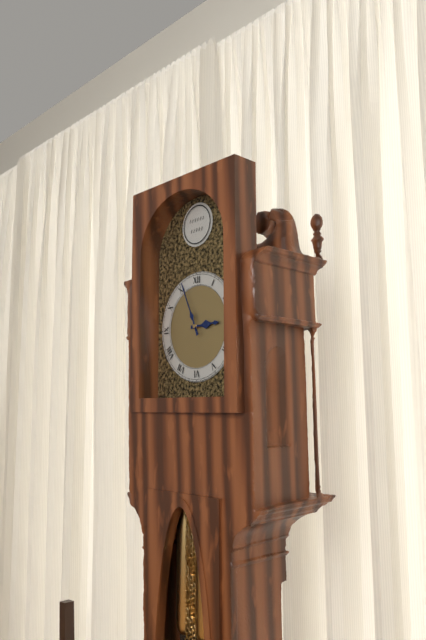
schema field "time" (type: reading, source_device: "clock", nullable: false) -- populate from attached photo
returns 2:56
